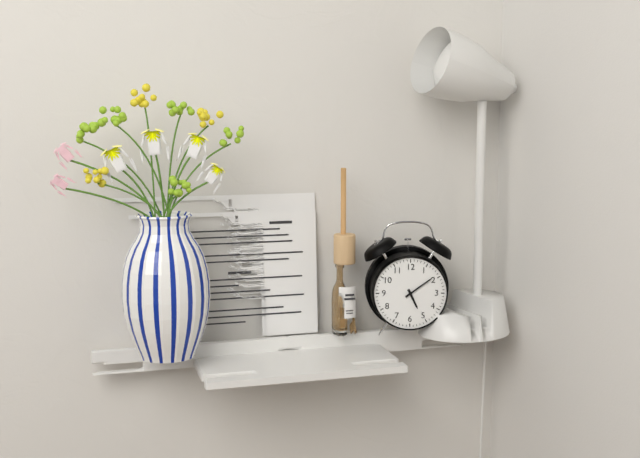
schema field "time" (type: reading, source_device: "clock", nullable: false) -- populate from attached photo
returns 5:09
